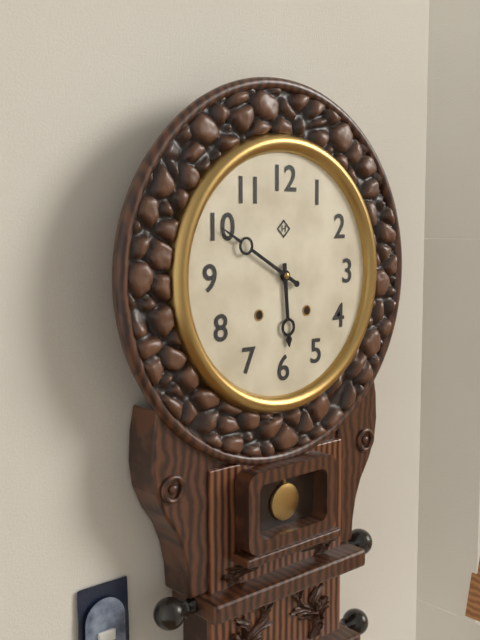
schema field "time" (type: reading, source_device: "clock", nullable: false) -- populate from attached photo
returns 5:50
